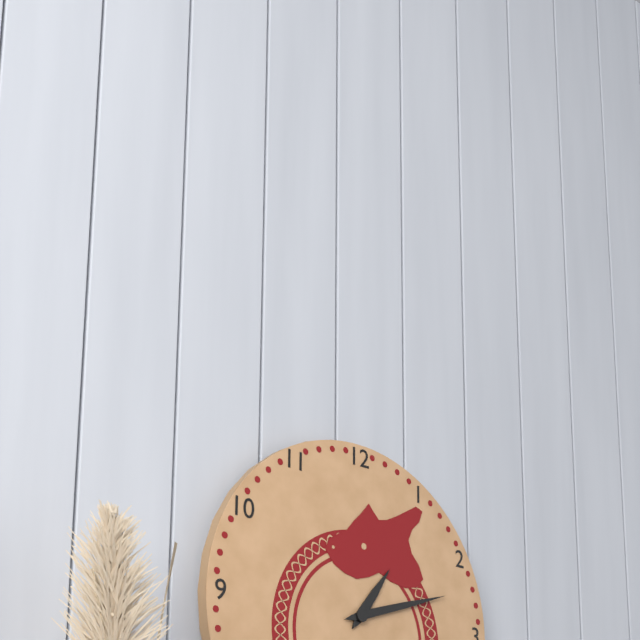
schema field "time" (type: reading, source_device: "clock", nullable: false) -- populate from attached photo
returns 1:12
